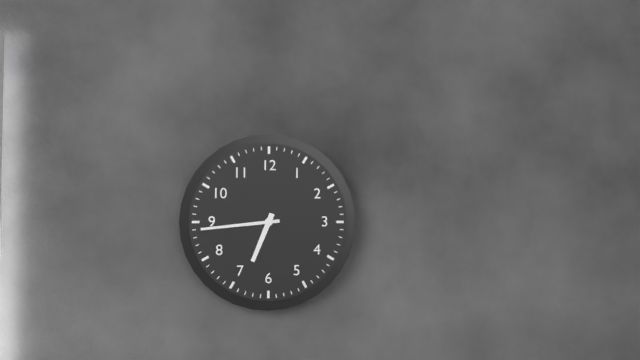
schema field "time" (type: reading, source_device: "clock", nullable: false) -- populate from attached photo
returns 6:44
